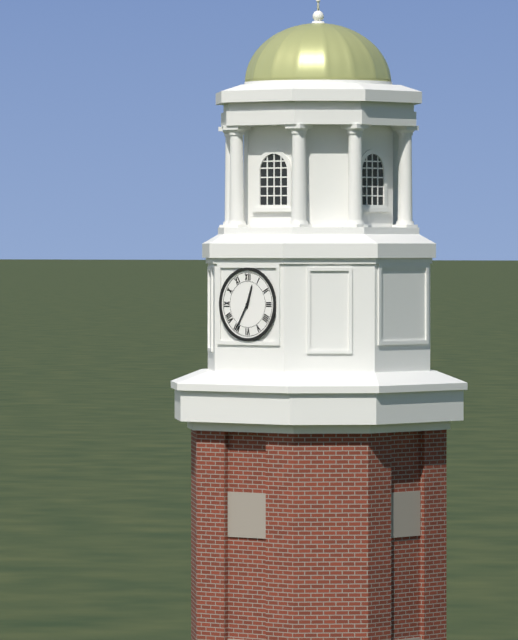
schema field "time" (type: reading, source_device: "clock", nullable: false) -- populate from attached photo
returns 12:35
